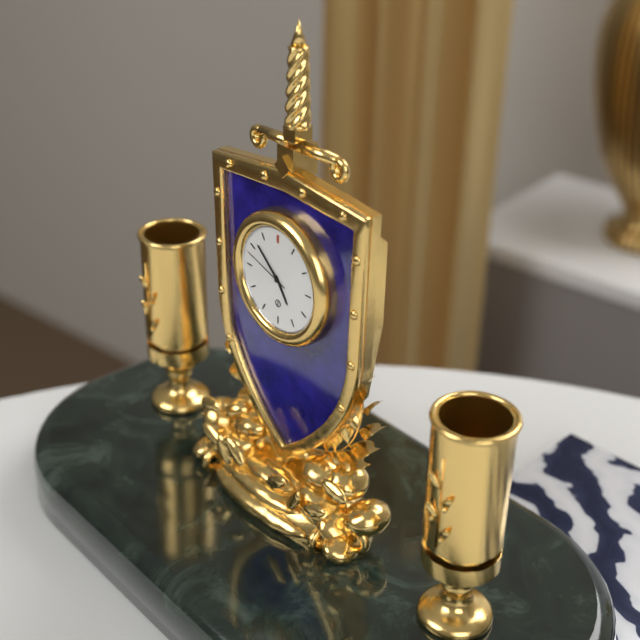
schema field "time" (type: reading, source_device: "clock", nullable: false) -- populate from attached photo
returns 4:52:48
